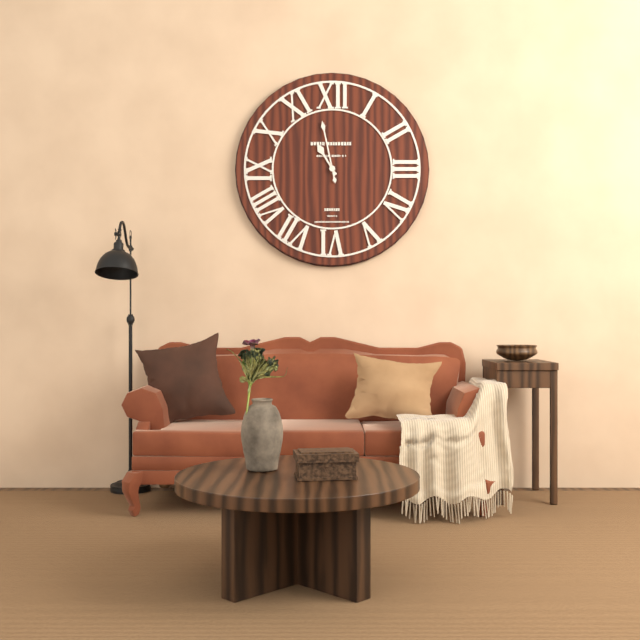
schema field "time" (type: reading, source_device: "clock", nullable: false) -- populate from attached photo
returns 10:58
